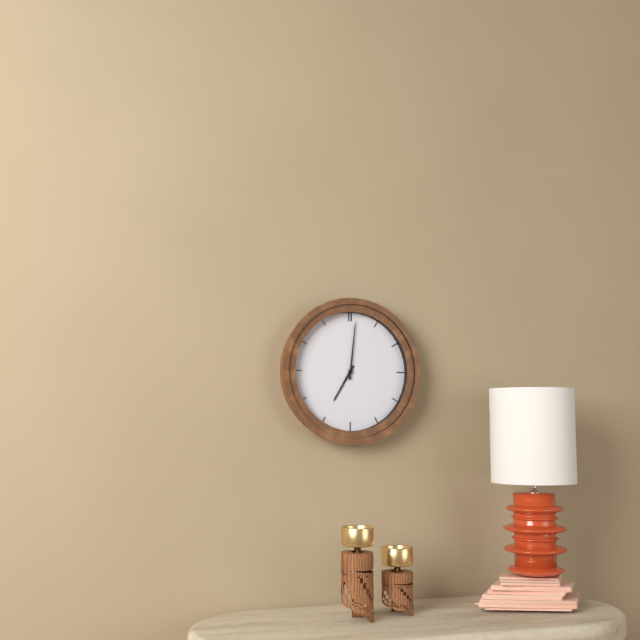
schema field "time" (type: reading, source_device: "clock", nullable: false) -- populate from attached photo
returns 7:01
